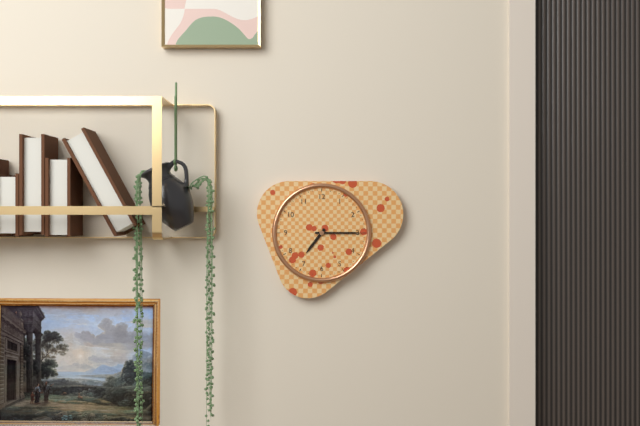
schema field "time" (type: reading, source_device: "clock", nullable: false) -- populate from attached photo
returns 7:15
